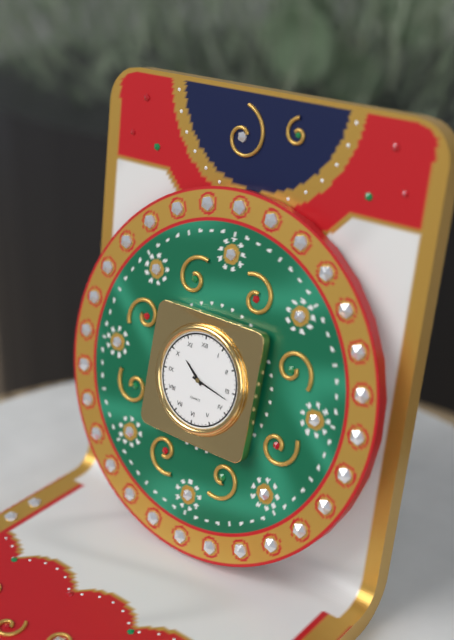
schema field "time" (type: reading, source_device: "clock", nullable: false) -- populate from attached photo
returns 10:17
